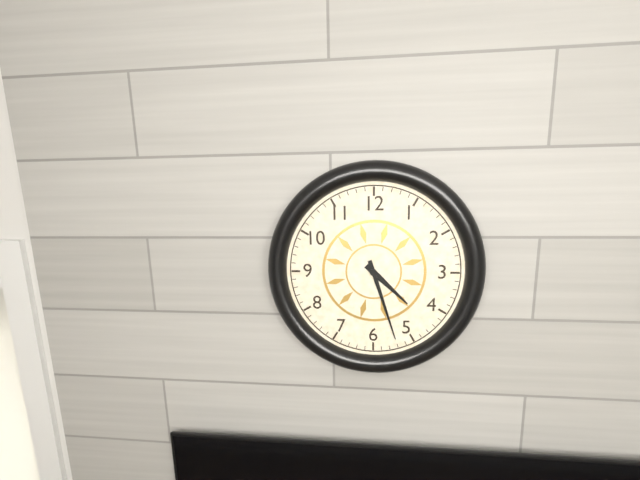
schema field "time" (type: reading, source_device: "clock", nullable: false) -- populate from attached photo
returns 4:27
